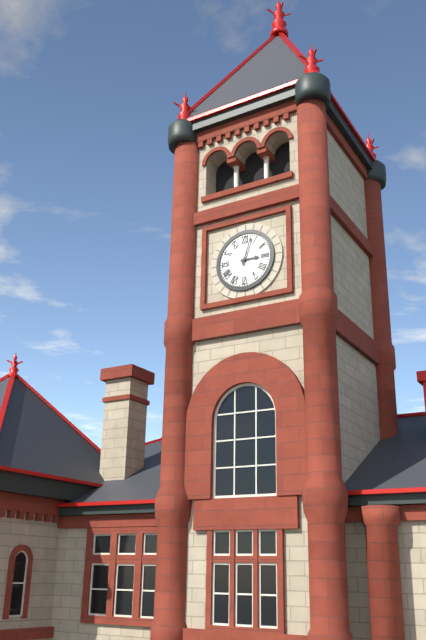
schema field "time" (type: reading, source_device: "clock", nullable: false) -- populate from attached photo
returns 3:03
